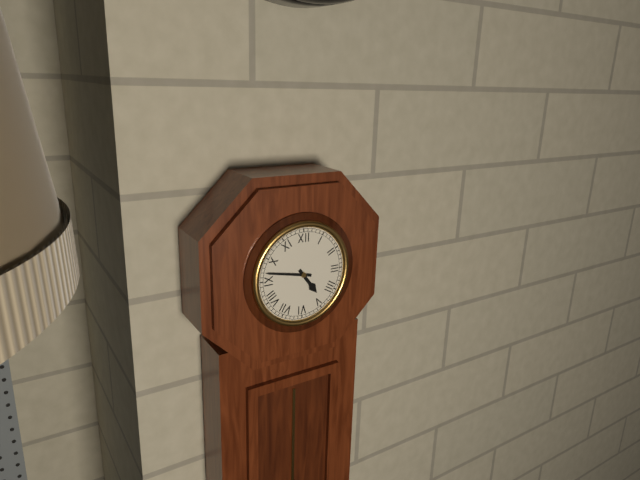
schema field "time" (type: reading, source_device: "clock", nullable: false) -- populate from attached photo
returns 4:47
